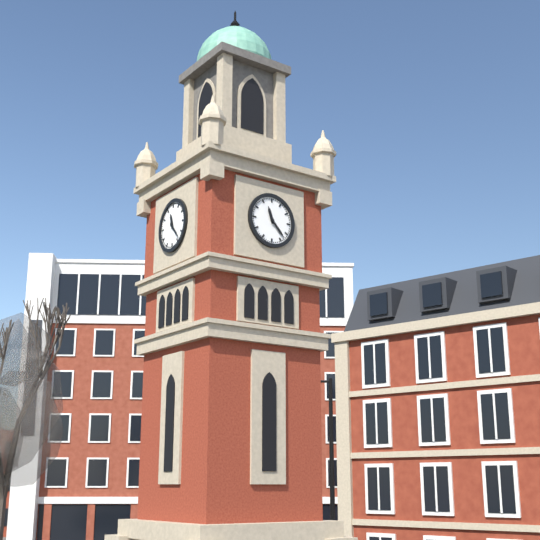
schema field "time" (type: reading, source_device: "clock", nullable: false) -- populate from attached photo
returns 11:23
